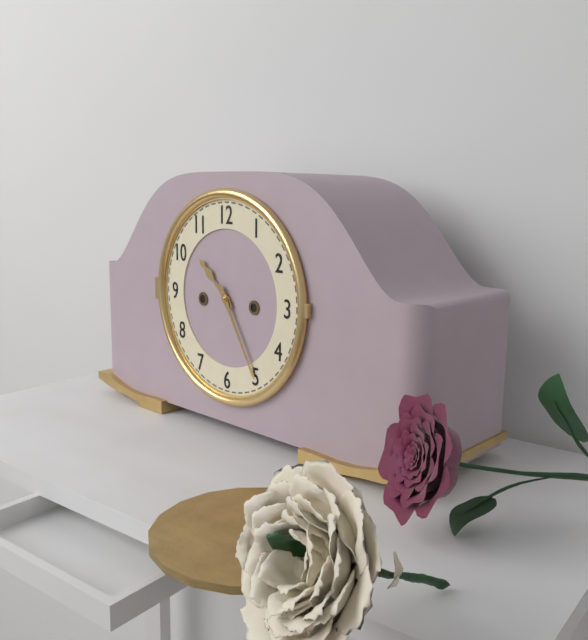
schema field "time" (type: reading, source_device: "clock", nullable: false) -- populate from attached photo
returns 10:25
